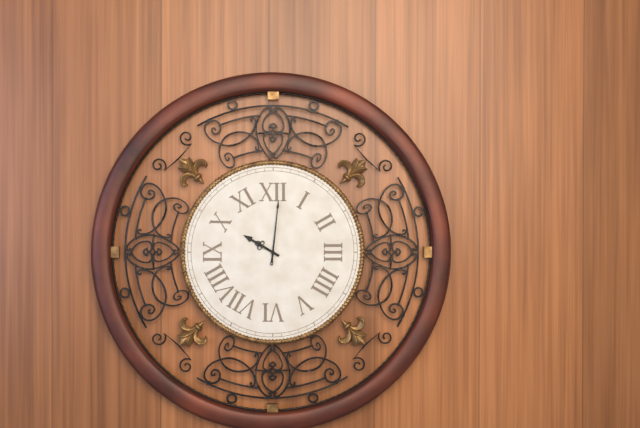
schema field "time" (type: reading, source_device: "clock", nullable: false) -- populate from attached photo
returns 10:01
